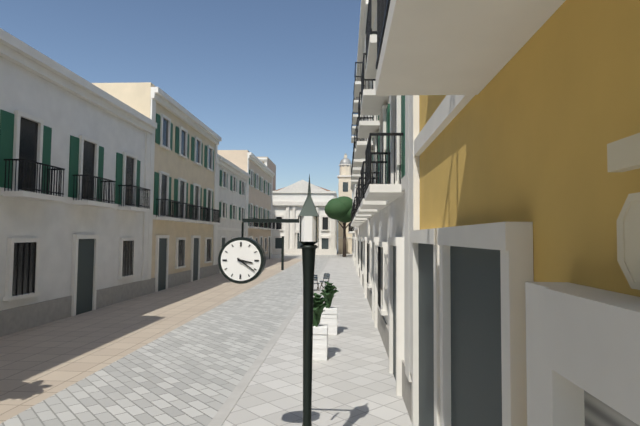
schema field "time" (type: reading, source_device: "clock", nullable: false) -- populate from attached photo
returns 3:21
